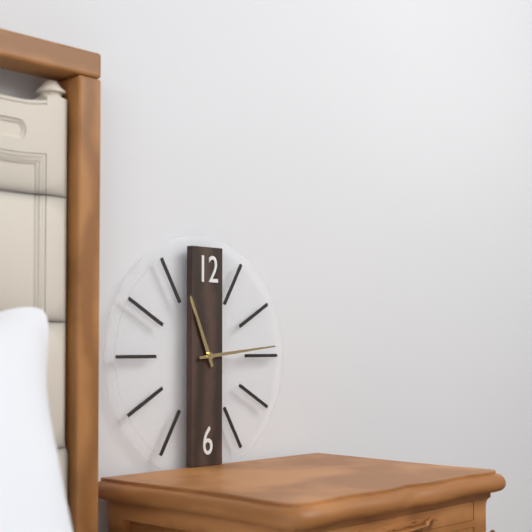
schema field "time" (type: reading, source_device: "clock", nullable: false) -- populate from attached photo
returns 11:14
